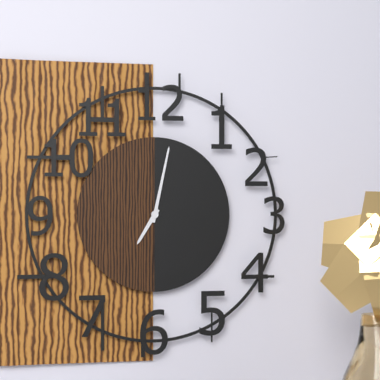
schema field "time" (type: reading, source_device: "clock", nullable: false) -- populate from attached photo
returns 7:02
